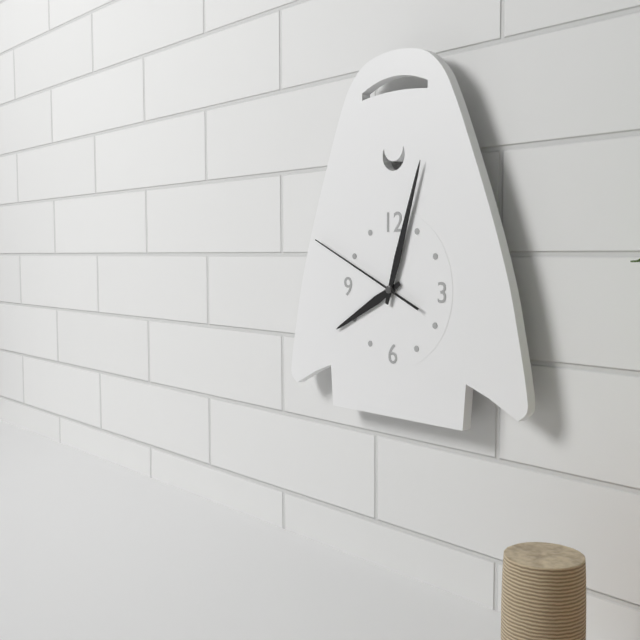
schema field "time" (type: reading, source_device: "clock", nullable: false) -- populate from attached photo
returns 8:03:49
